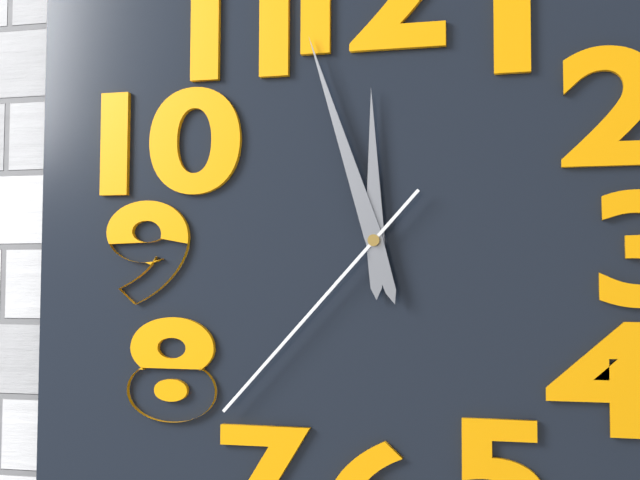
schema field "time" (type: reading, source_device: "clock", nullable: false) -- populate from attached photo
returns 11:57:37
